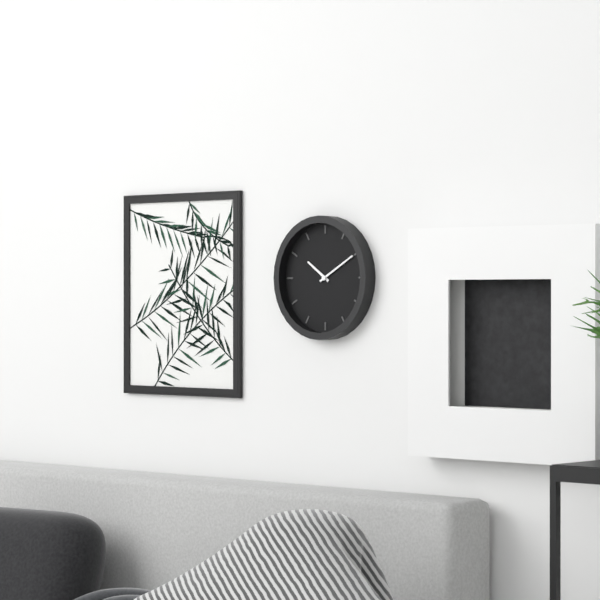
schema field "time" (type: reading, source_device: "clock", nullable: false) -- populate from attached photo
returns 10:10
